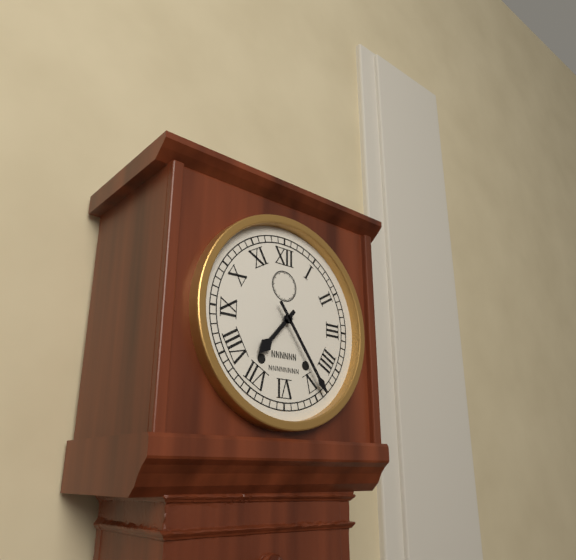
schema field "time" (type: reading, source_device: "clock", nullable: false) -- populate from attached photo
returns 7:24
